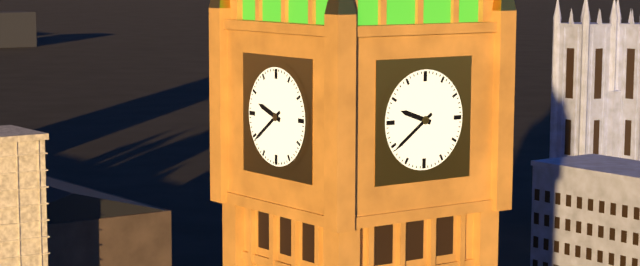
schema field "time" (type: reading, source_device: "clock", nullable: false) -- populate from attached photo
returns 9:39
